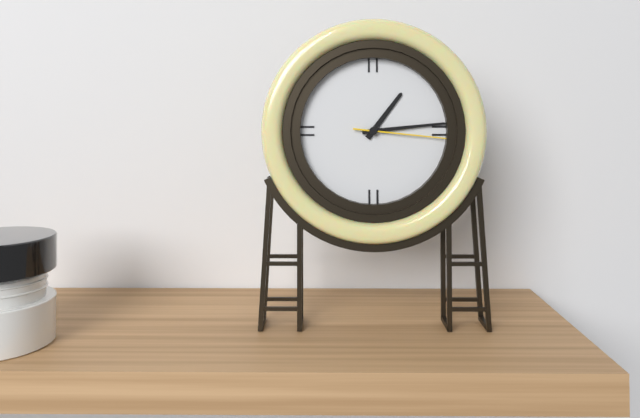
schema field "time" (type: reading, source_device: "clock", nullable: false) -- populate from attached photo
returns 1:14:16
